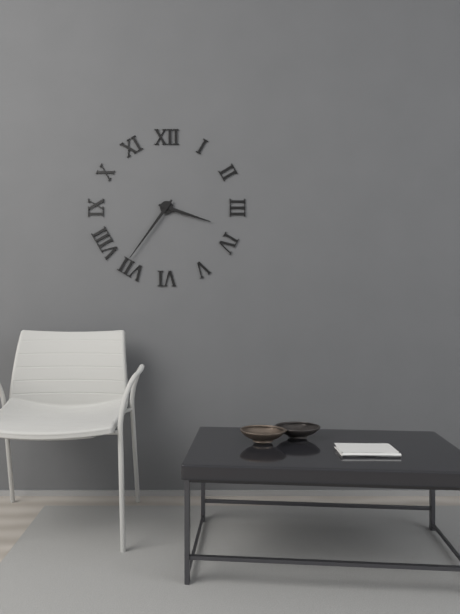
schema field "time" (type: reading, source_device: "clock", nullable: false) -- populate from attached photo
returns 3:36
